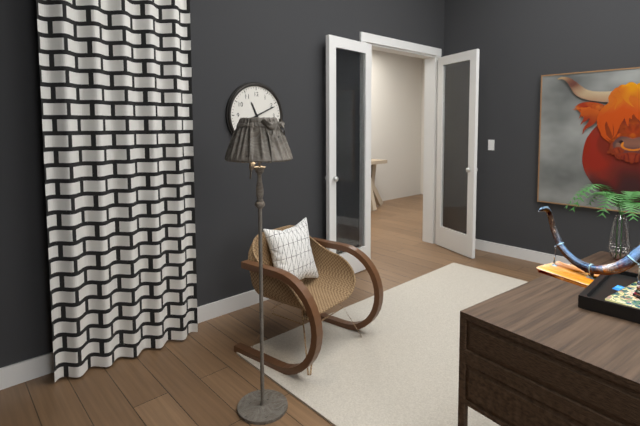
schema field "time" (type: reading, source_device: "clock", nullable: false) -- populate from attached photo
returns 11:11
